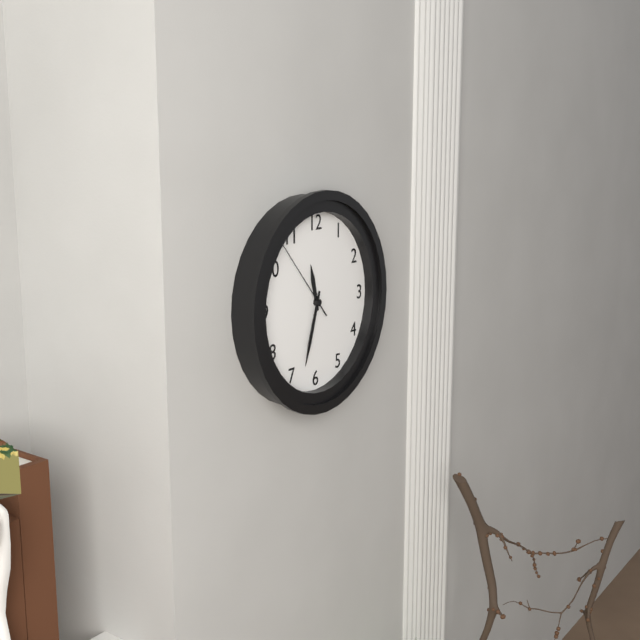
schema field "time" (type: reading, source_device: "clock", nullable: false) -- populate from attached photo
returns 11:33:53
